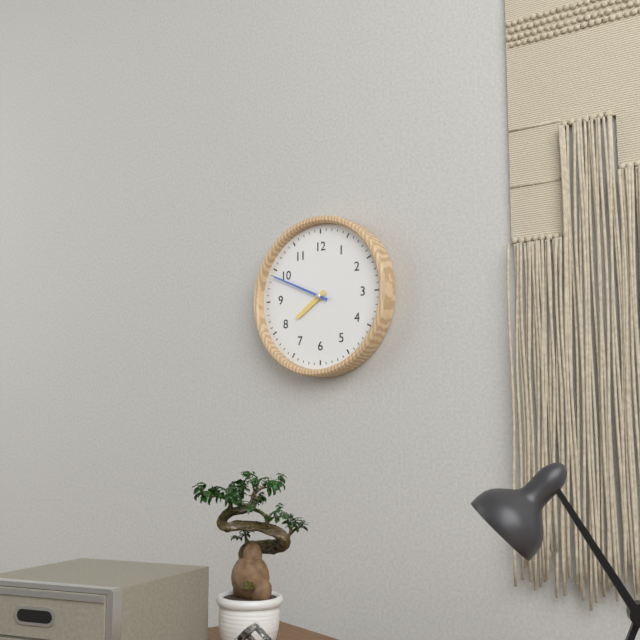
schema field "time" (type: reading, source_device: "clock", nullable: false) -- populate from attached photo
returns 7:49
